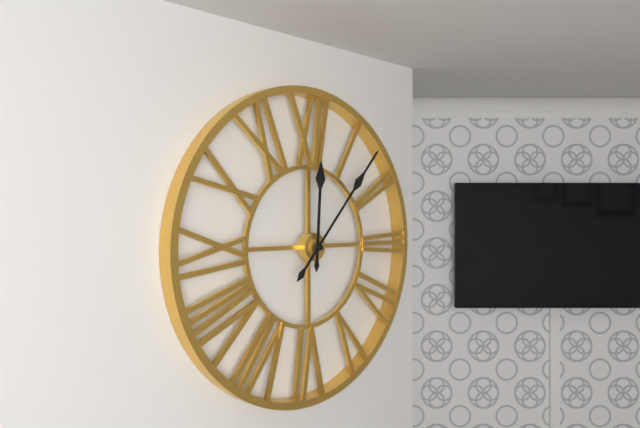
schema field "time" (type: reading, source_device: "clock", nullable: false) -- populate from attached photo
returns 12:07
